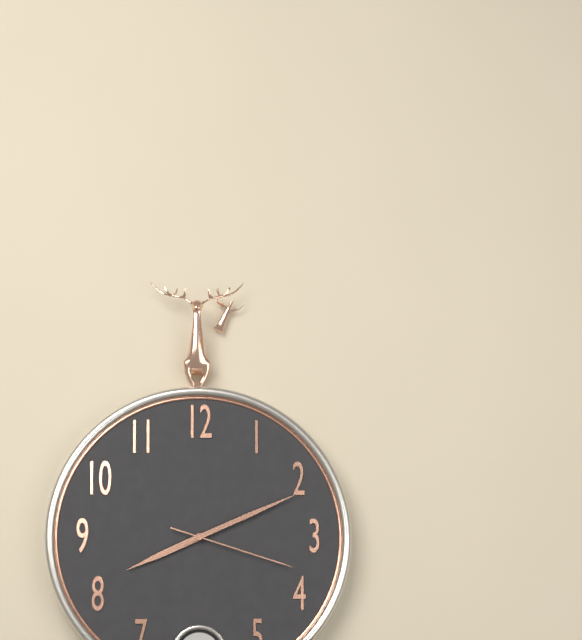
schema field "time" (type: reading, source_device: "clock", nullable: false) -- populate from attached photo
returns 8:11:18
